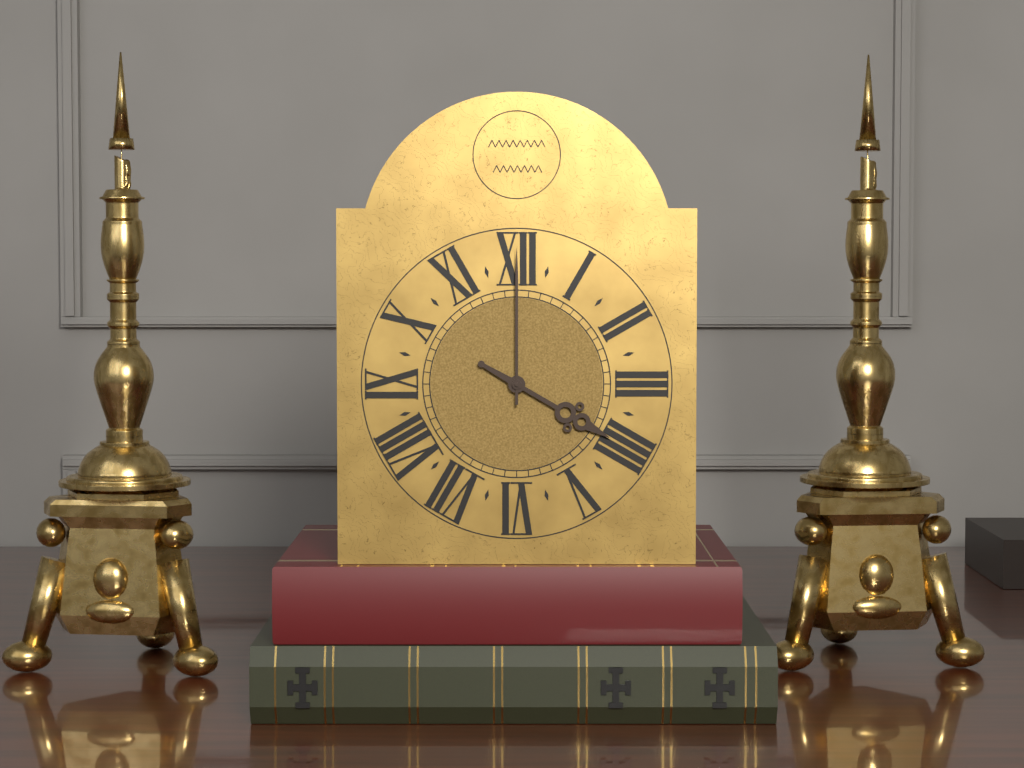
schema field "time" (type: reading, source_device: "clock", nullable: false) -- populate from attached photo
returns 4:00
